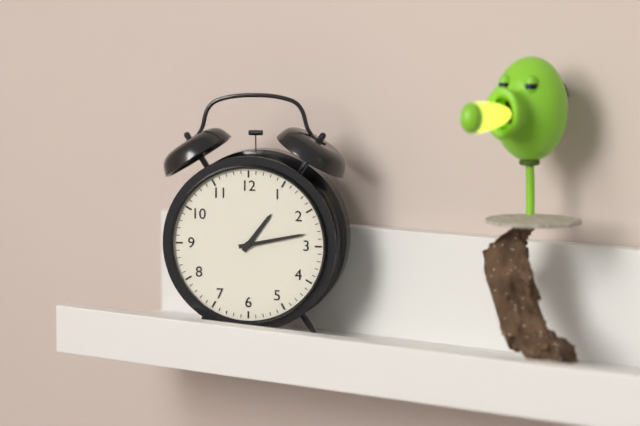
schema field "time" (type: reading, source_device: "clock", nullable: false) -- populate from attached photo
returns 1:13
